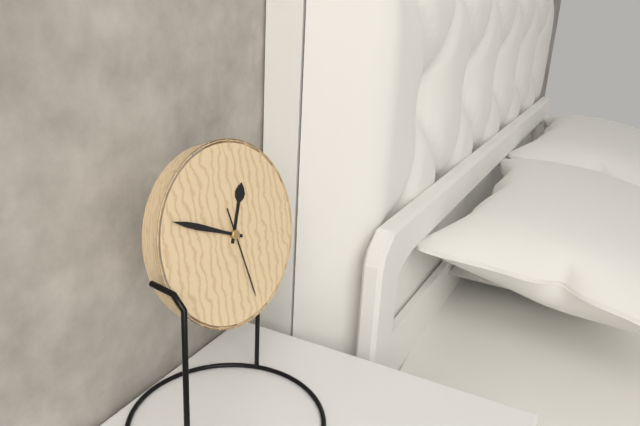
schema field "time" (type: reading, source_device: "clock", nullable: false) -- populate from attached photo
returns 12:49:28
